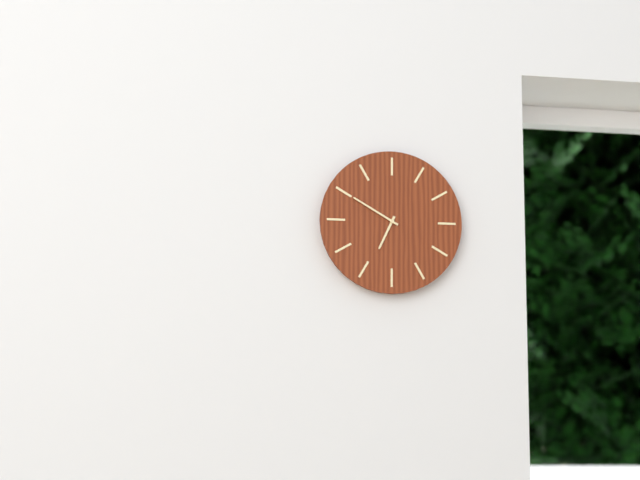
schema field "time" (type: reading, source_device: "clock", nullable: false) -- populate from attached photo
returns 6:50
